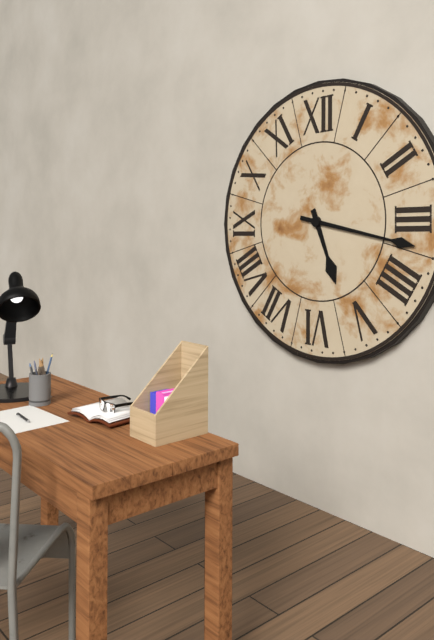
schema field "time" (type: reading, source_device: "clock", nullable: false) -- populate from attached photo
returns 5:17
